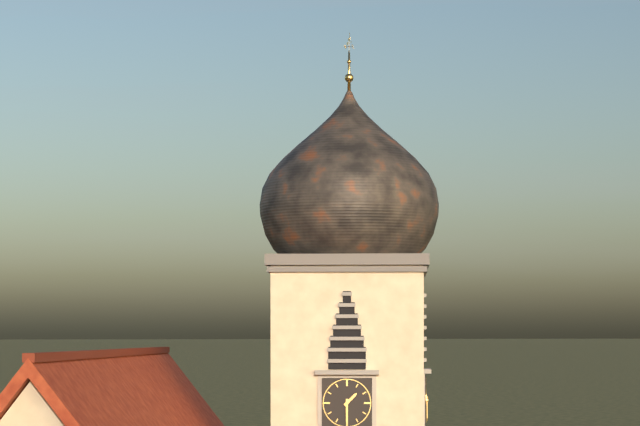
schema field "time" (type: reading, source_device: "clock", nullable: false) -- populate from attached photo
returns 1:30
